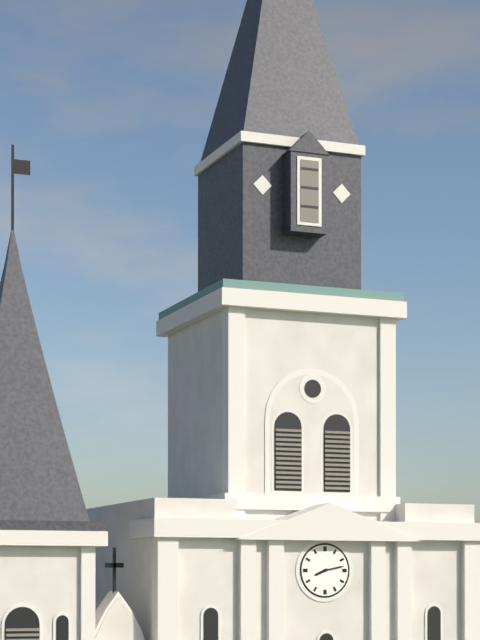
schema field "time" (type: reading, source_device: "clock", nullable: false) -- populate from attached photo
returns 8:13
